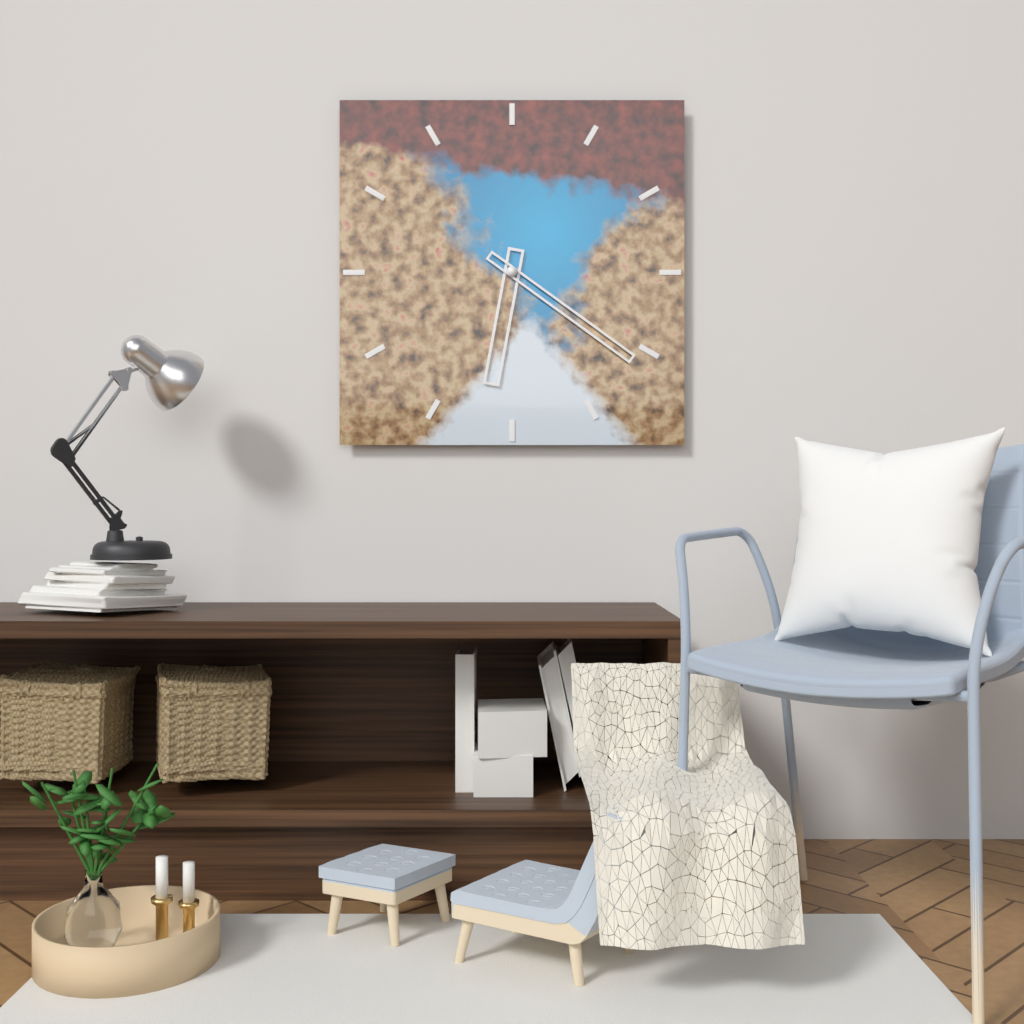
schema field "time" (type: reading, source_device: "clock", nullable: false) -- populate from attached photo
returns 6:21
